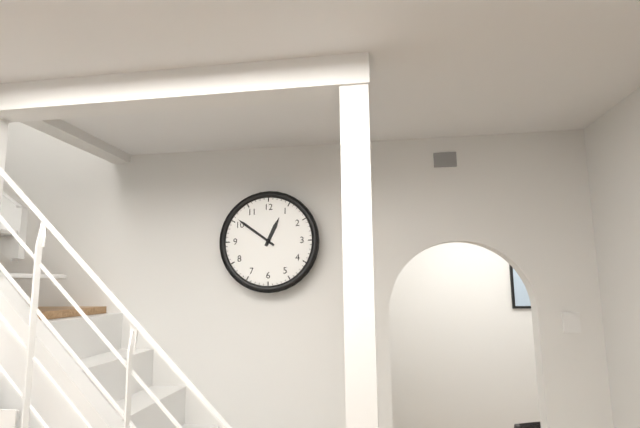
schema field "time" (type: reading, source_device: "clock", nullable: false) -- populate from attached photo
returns 12:51
